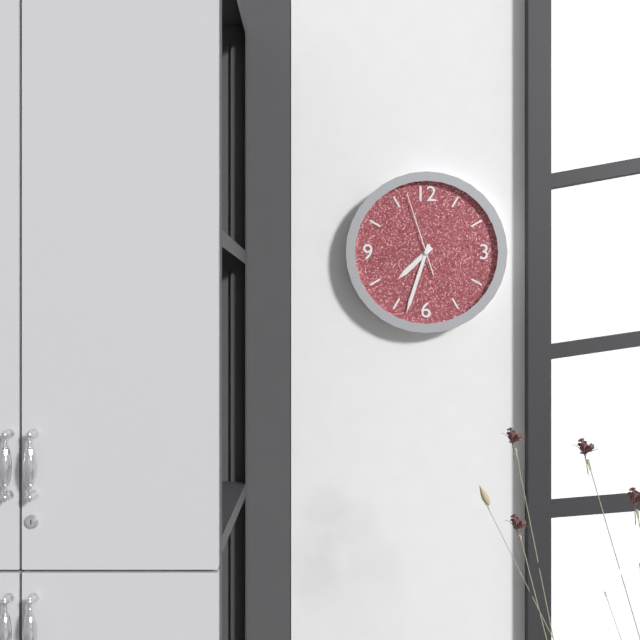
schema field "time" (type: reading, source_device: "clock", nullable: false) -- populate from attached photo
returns 7:33:57
